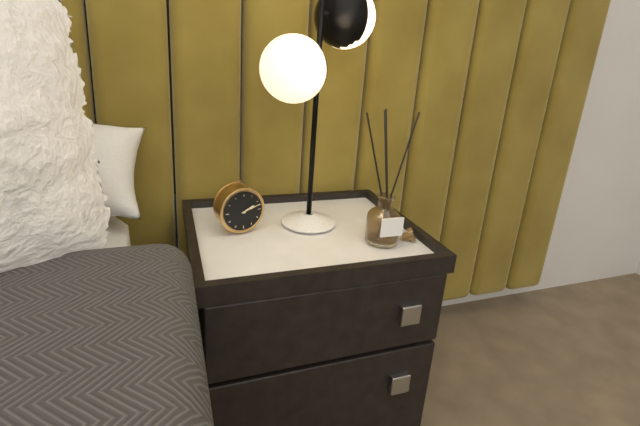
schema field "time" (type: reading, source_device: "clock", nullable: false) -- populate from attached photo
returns 2:12
